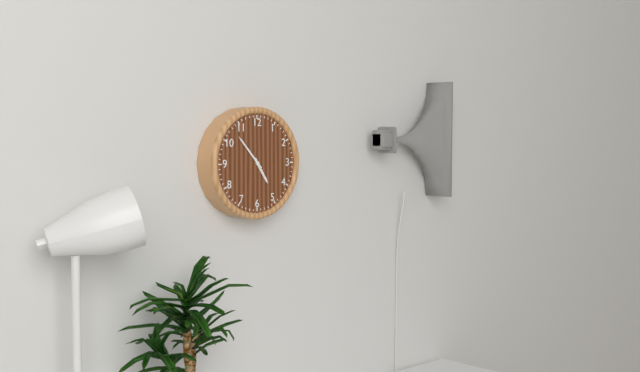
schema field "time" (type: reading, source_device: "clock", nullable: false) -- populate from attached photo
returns 4:53
